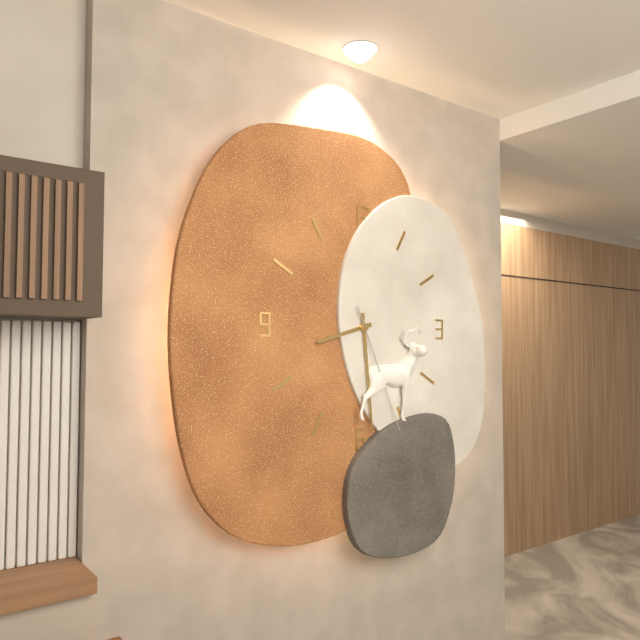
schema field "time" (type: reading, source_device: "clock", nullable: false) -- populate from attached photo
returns 8:29:26
